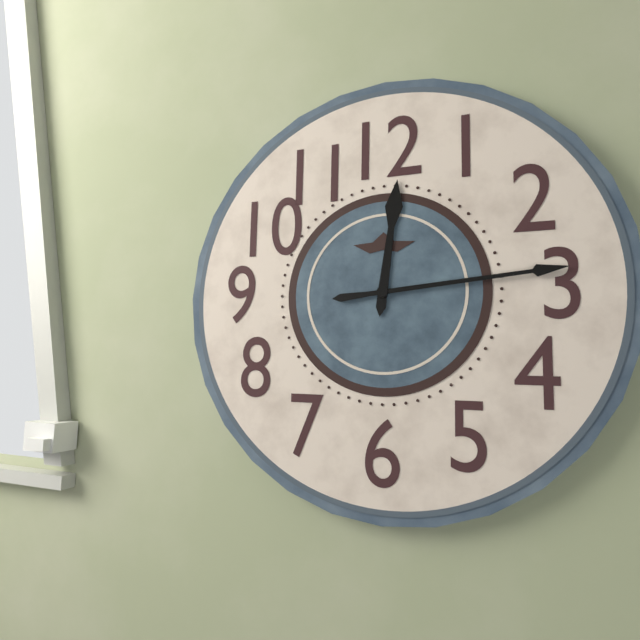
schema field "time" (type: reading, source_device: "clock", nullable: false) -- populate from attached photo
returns 12:14
